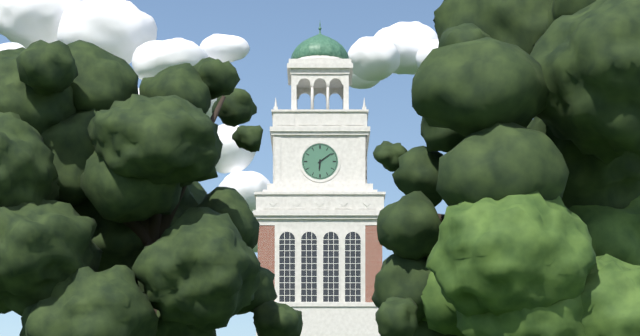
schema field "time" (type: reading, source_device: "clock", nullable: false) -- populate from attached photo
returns 6:09
